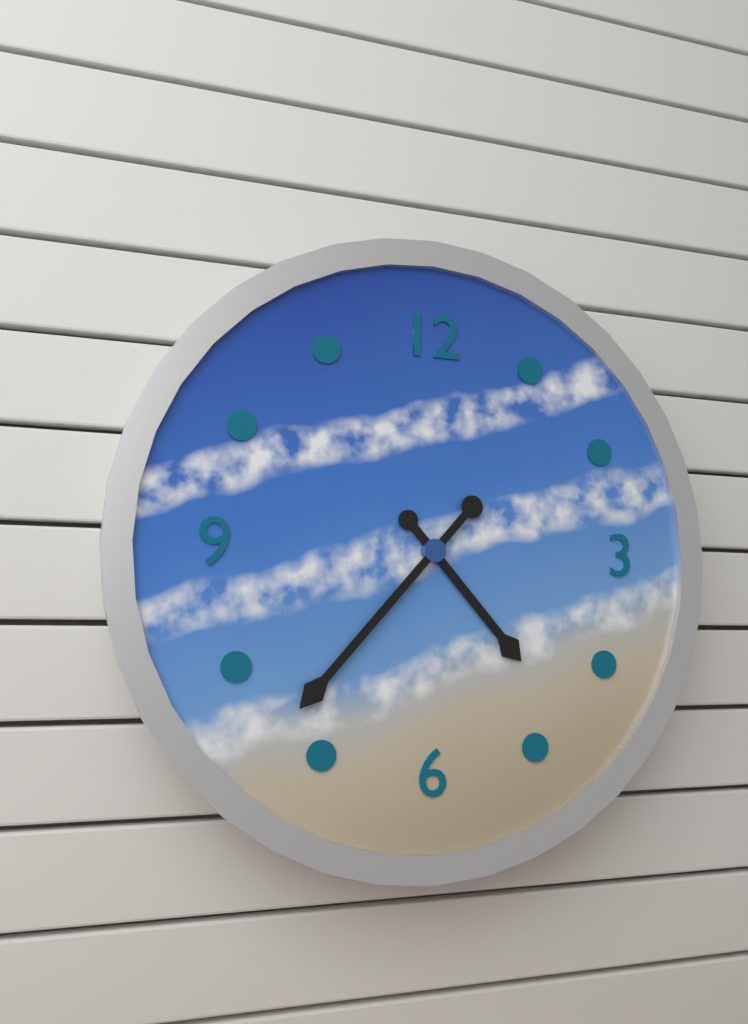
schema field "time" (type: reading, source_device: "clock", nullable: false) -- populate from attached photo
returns 4:37
